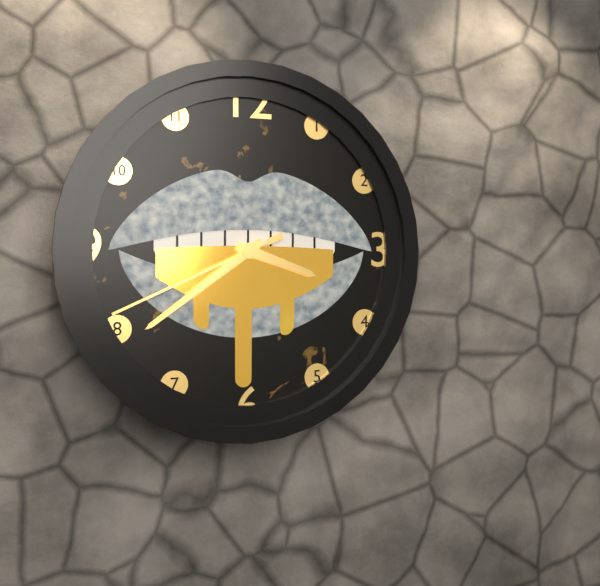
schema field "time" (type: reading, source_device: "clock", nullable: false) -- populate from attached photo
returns 3:39:41
